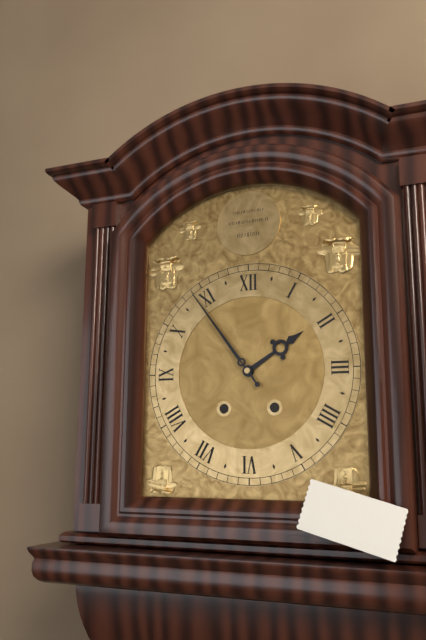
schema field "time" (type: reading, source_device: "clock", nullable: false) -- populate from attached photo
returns 1:54
